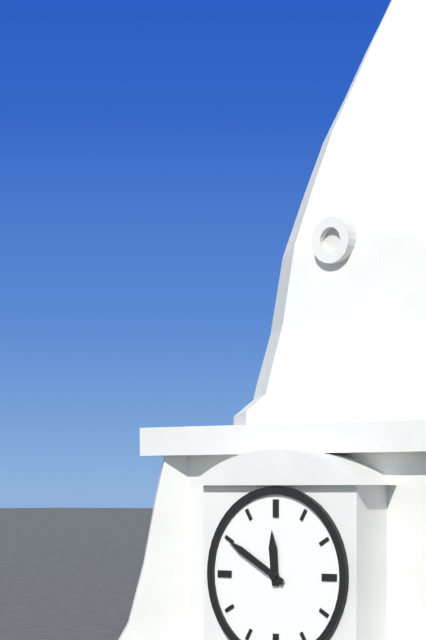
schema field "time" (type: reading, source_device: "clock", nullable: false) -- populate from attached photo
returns 11:50
